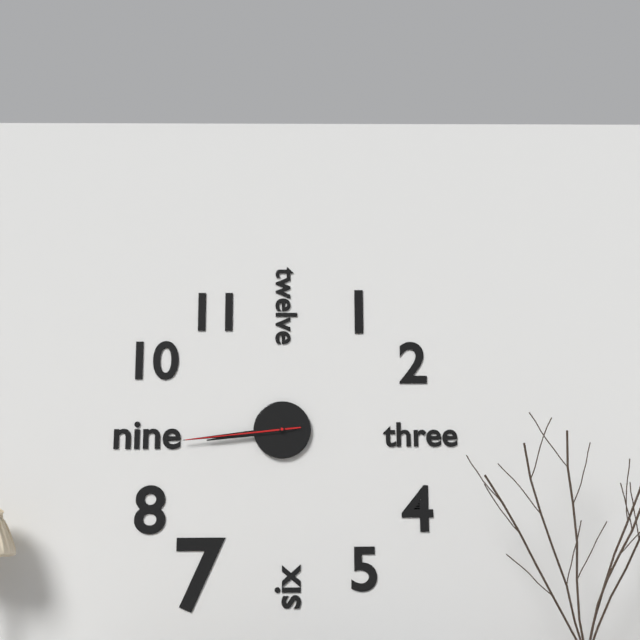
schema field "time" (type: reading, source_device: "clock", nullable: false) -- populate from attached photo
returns 8:44:44
